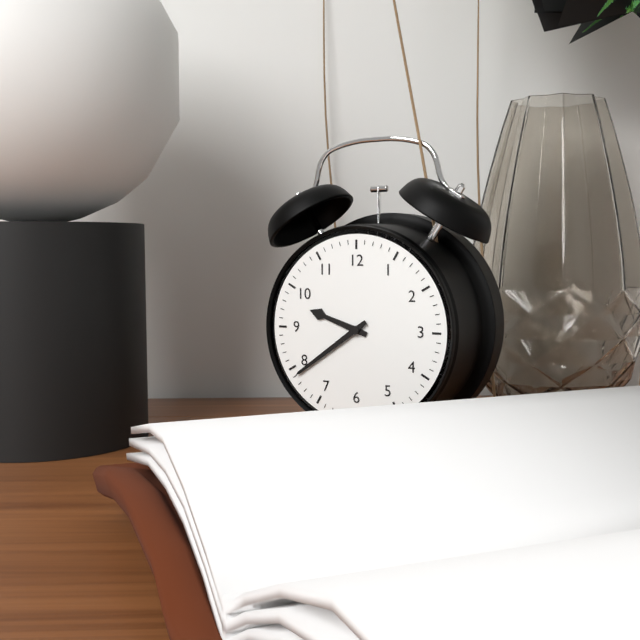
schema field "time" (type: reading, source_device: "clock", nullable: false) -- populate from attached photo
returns 9:39
